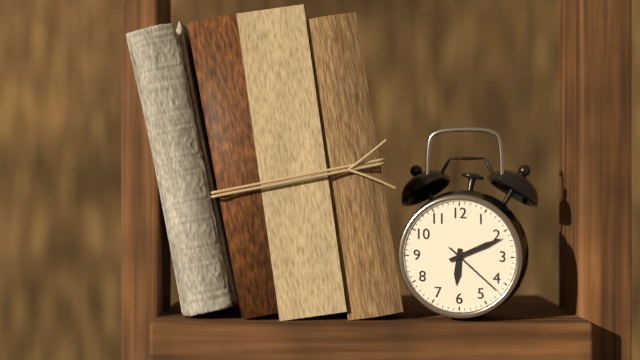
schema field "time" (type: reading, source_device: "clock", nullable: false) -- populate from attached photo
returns 6:11:22
